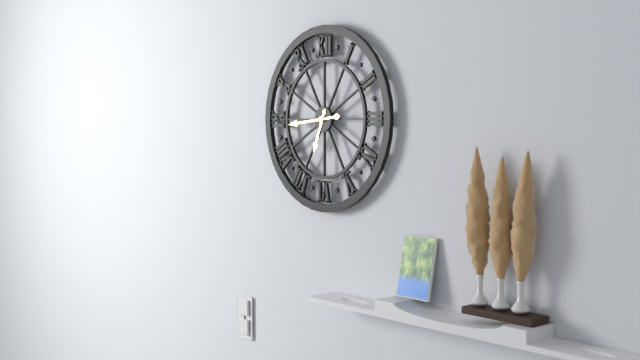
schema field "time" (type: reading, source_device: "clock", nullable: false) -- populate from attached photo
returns 6:44
